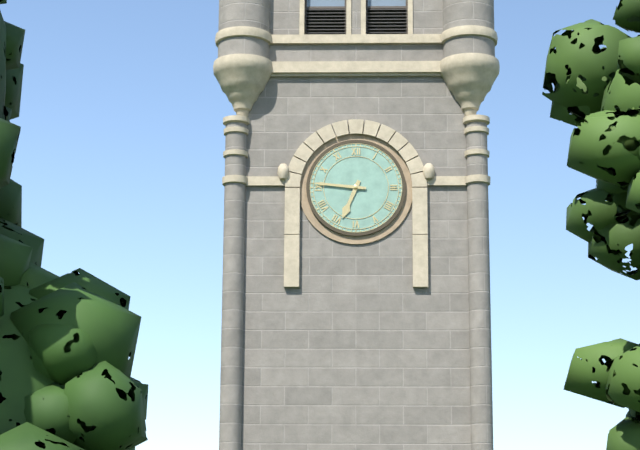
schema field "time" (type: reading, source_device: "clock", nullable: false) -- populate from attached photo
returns 6:46
